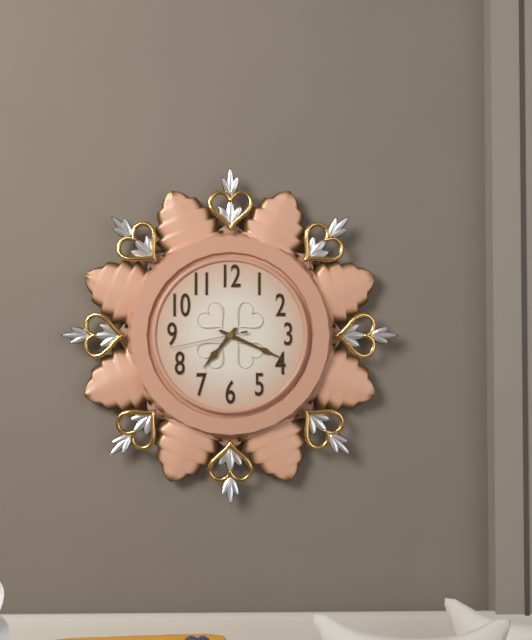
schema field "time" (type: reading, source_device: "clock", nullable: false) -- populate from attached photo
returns 7:19:43
